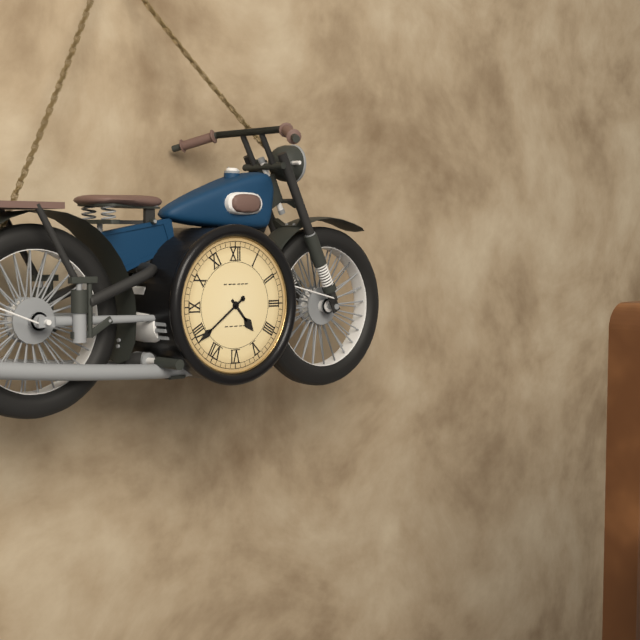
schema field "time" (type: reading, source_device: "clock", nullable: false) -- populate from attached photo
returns 4:39
